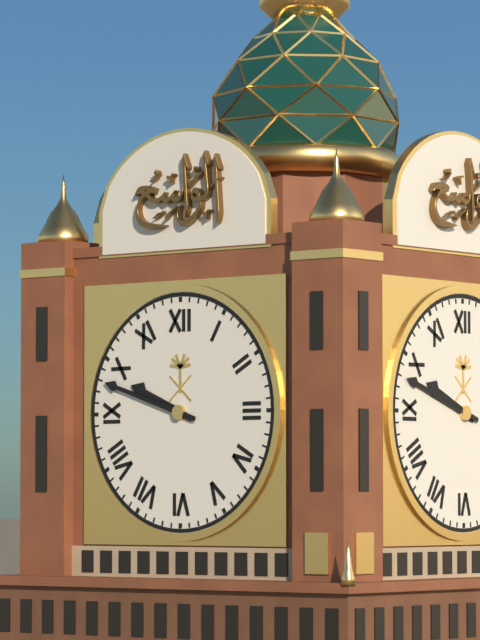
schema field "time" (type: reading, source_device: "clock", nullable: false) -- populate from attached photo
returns 9:48
